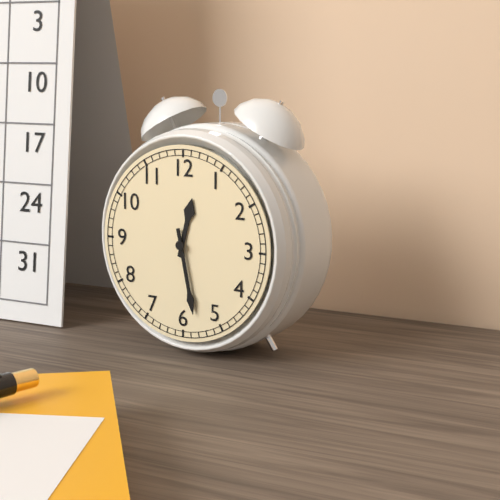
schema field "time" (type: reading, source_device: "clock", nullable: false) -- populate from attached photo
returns 12:28
